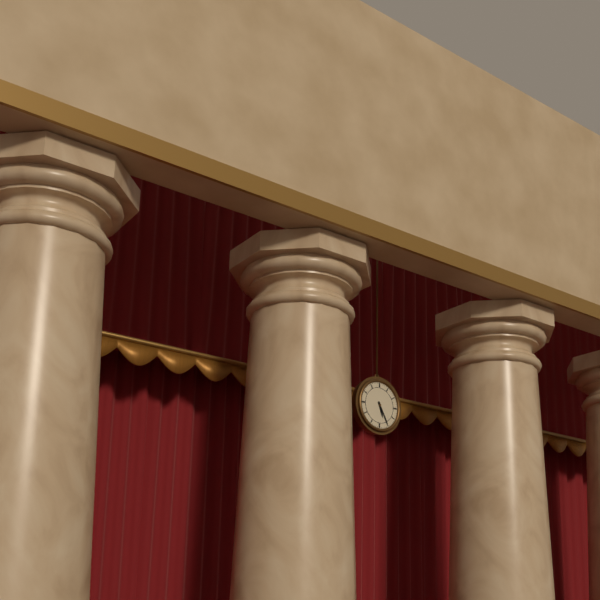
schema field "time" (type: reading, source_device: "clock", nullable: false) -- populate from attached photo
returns 5:25
